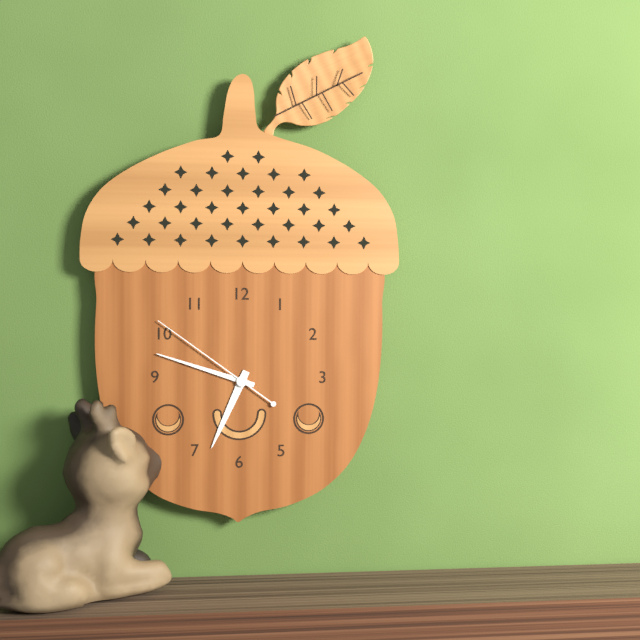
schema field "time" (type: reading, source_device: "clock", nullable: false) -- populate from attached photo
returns 6:48:51
